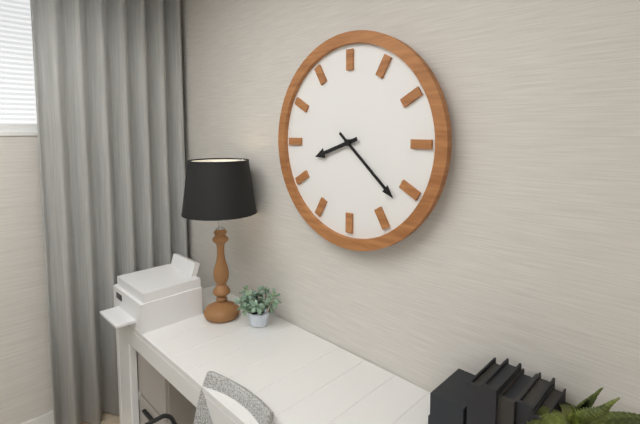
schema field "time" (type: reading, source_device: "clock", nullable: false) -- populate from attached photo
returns 8:22
